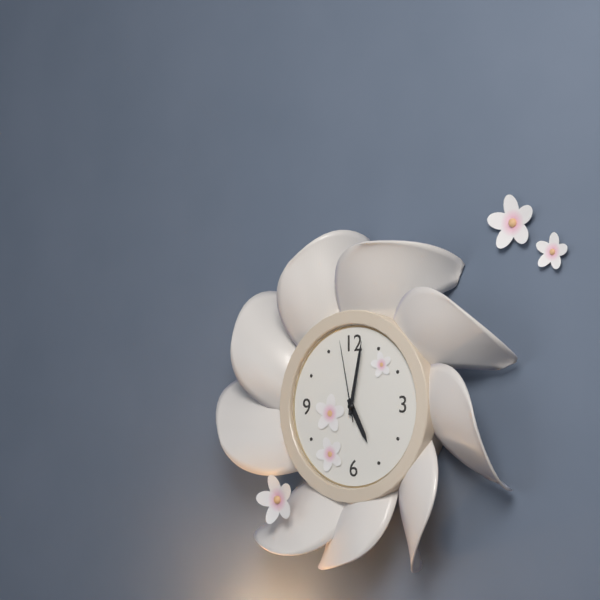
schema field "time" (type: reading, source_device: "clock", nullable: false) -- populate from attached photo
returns 5:02:58
